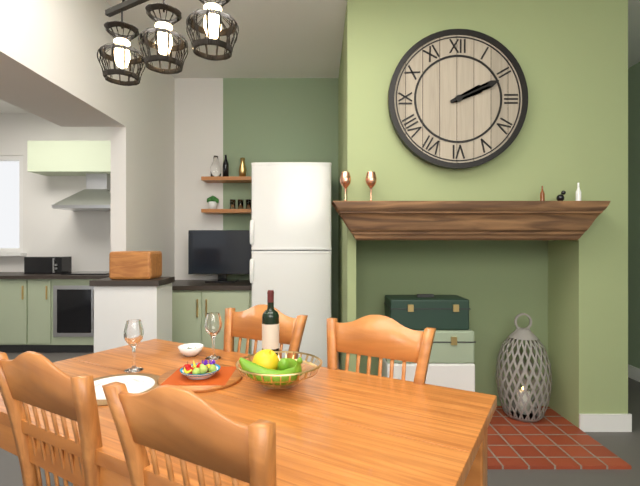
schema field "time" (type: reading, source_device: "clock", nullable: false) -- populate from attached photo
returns 2:11
